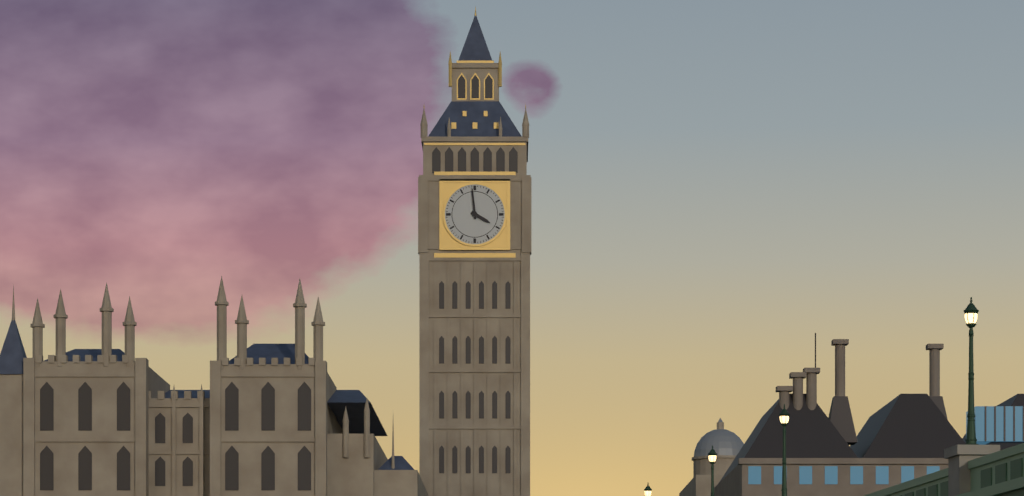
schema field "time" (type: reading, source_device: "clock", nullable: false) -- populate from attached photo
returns 3:59
